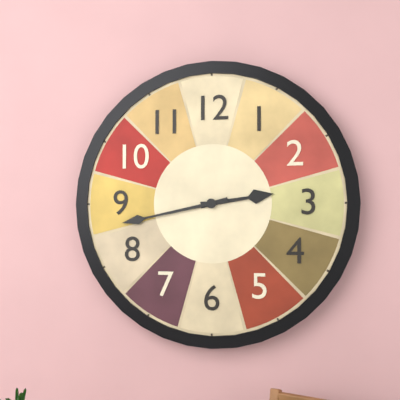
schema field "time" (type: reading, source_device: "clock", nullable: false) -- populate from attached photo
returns 2:43
